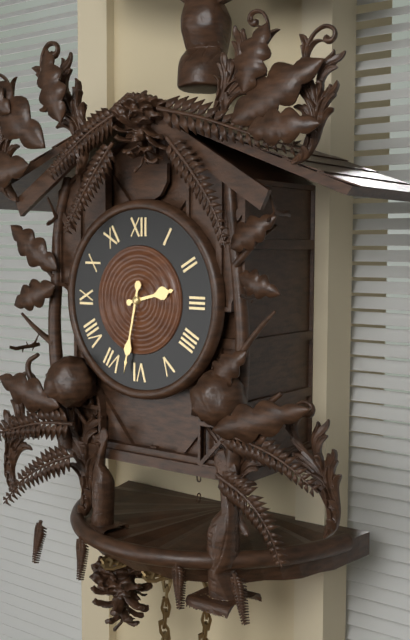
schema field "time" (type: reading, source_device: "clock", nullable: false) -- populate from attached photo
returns 2:32
